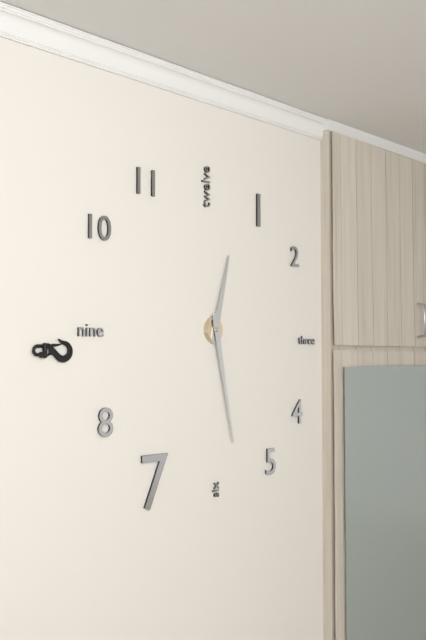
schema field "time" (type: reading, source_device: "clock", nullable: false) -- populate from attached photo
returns 12:28
